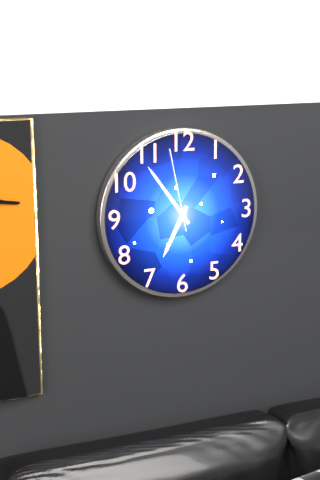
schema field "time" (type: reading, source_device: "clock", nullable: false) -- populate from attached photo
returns 6:54:58
